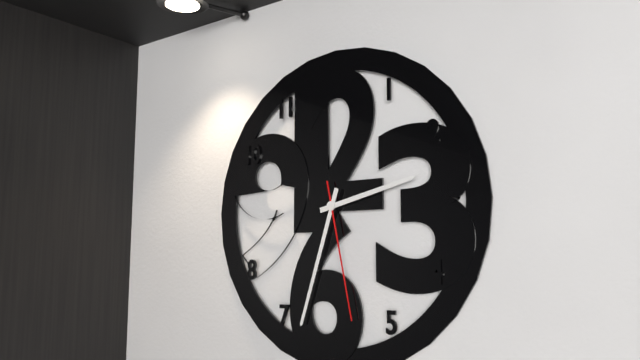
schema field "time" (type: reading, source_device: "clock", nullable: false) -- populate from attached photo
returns 2:33:28
